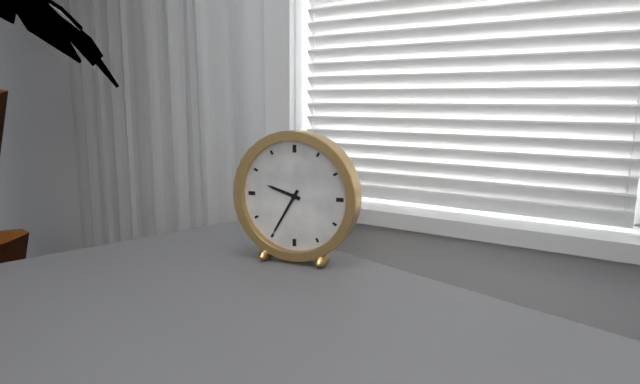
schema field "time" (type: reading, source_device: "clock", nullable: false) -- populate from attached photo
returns 9:35
